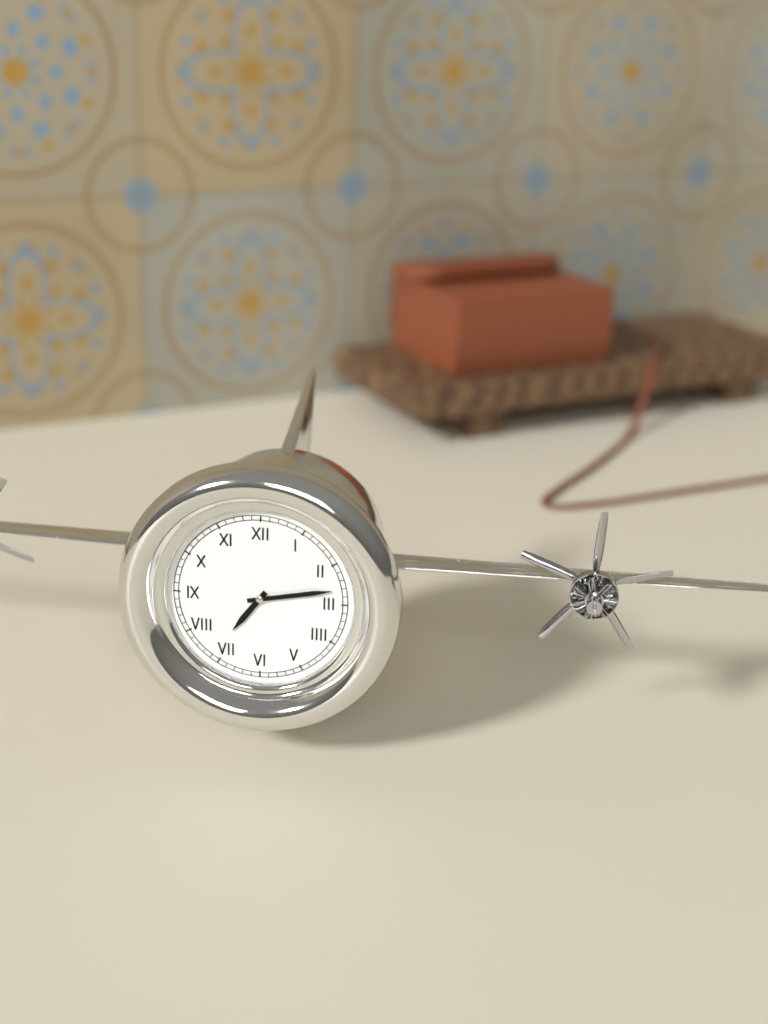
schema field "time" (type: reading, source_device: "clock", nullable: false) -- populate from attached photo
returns 7:13
